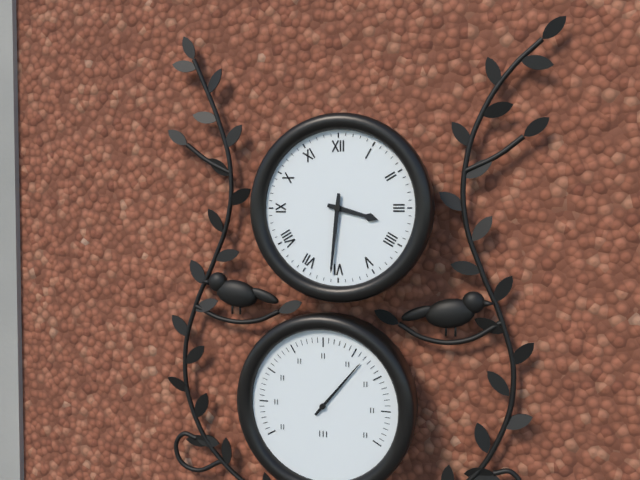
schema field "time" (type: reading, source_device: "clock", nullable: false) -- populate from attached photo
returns 3:31
